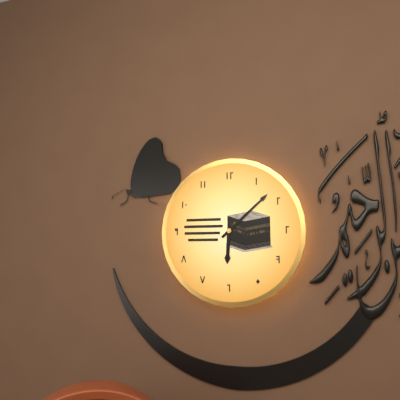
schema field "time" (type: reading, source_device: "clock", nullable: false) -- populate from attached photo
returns 6:08
